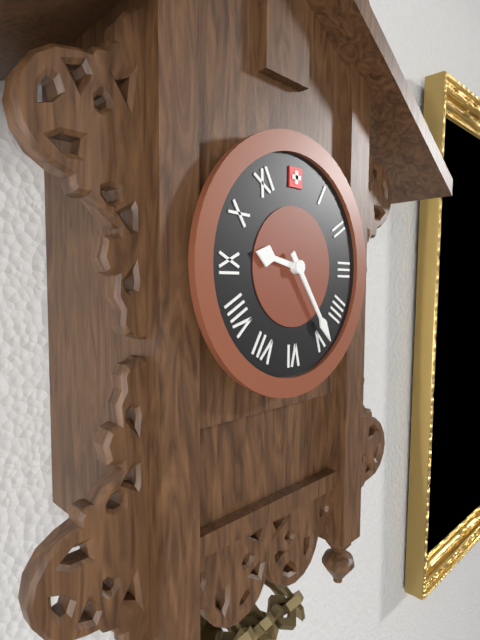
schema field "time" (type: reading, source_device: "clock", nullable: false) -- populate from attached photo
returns 9:24
